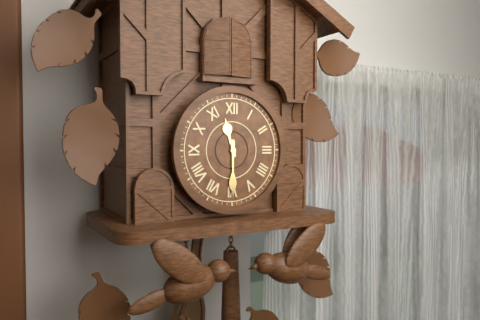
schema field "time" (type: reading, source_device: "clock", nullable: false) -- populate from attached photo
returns 11:30
